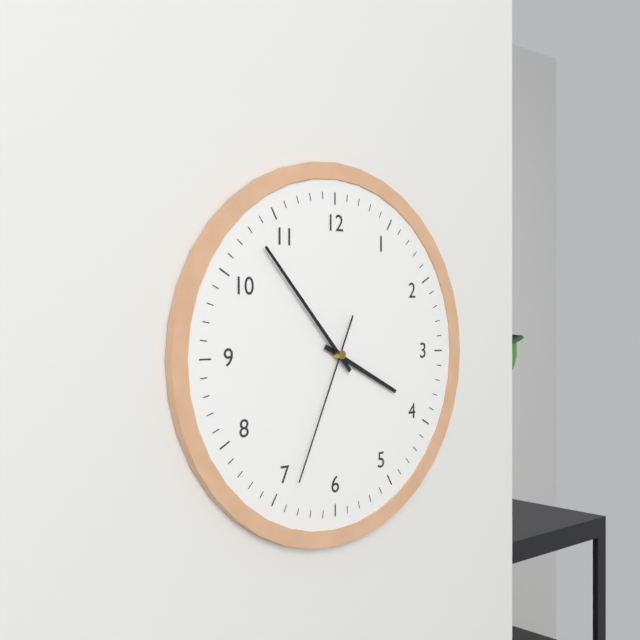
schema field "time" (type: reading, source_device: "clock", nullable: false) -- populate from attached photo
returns 3:53:34
